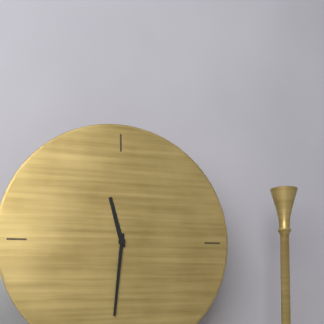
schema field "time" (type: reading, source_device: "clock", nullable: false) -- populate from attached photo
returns 11:31
